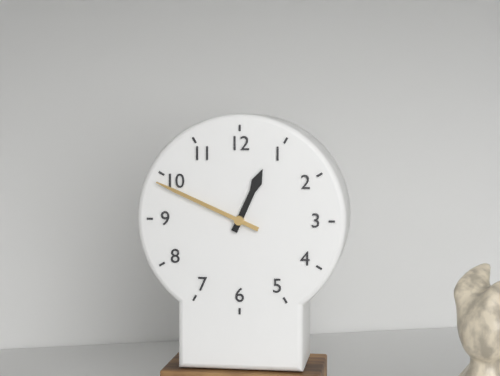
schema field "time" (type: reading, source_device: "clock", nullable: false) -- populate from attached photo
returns 12:49
